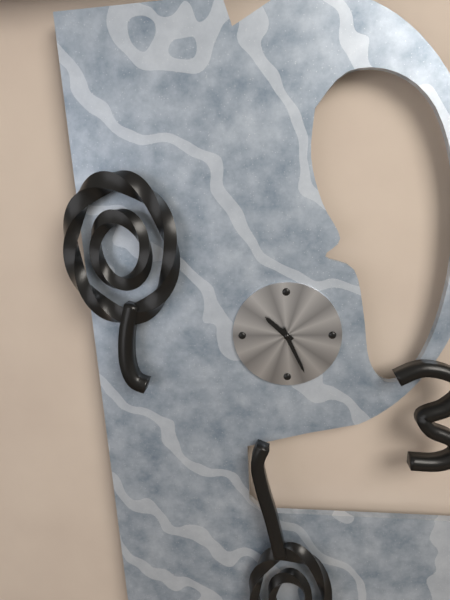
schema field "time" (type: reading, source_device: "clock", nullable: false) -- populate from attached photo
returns 10:26
